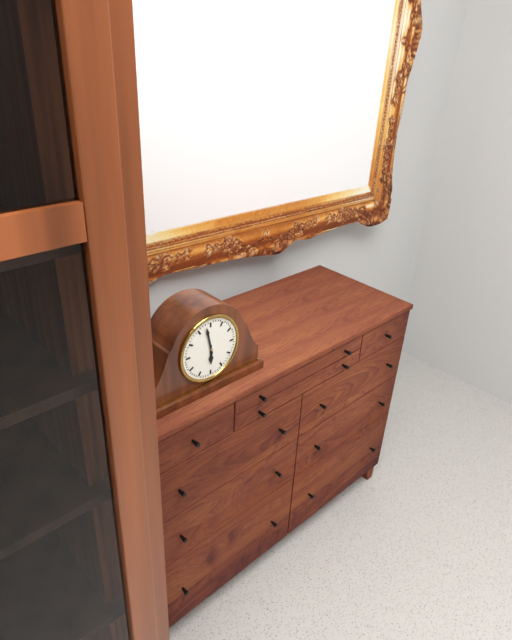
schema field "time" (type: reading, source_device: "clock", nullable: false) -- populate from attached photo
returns 5:58
